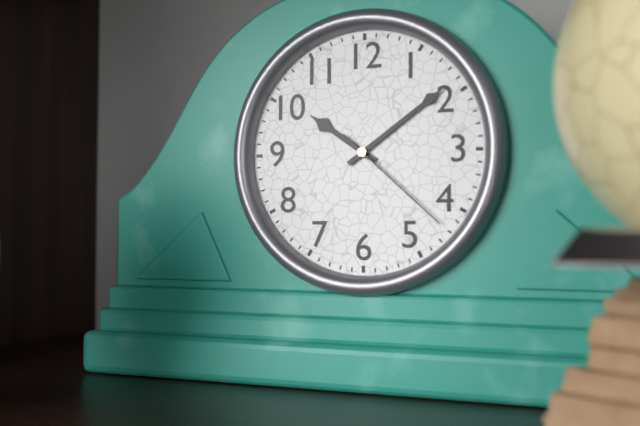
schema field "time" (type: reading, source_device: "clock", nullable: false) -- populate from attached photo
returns 10:09:22
